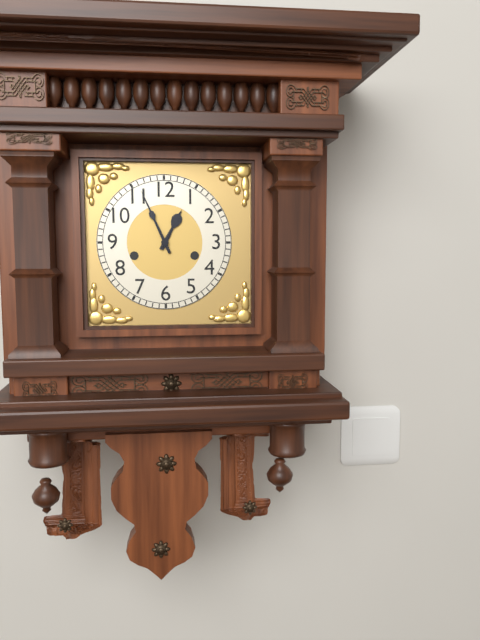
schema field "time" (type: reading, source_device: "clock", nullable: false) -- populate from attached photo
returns 12:56
